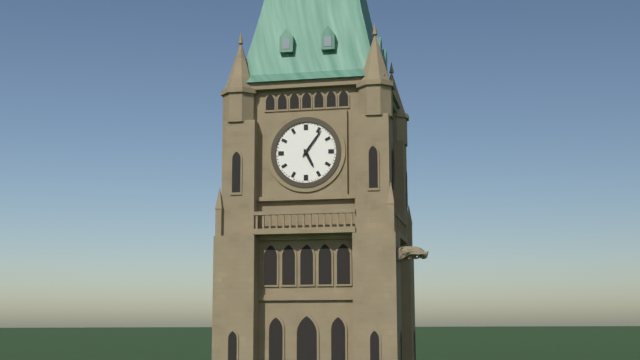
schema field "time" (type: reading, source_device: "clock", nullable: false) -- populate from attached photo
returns 5:06
